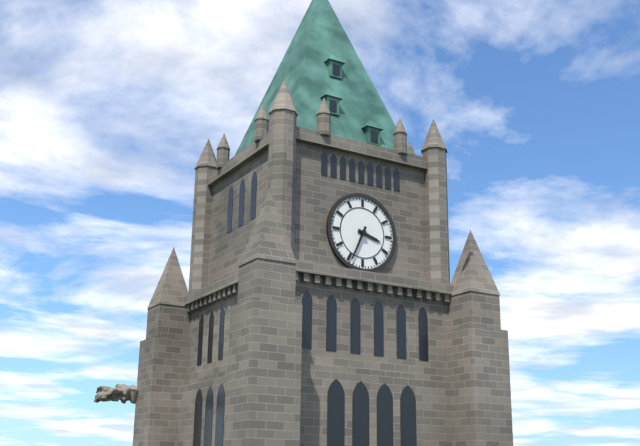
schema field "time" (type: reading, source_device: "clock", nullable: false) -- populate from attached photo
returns 3:34
